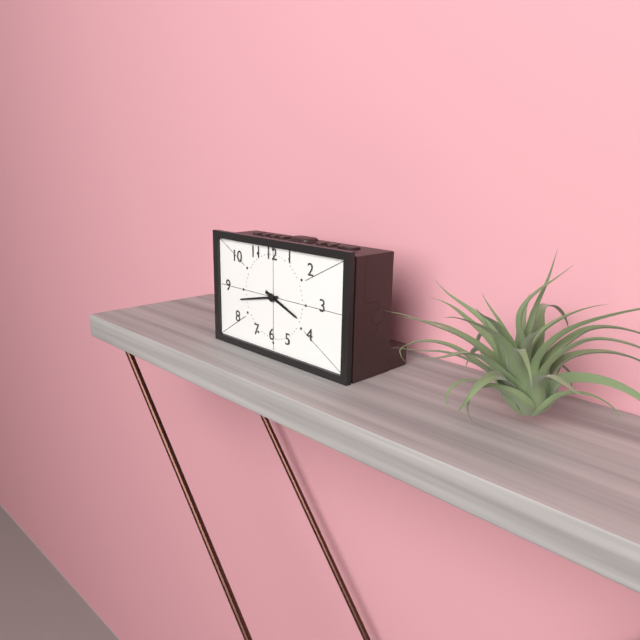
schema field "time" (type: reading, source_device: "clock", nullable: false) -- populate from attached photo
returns 3:43
